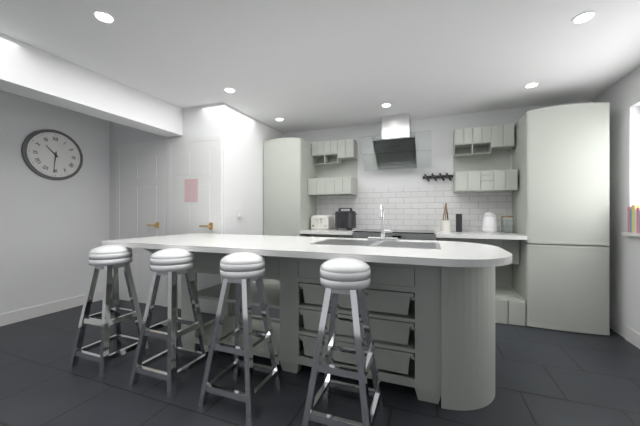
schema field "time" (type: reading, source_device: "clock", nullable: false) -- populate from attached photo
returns 10:31
